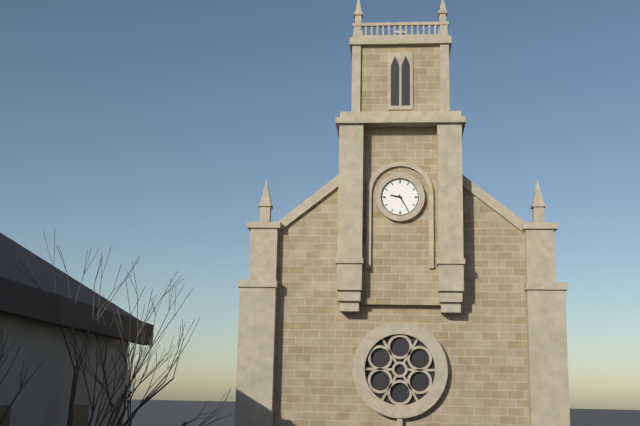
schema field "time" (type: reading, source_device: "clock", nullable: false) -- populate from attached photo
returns 9:25
